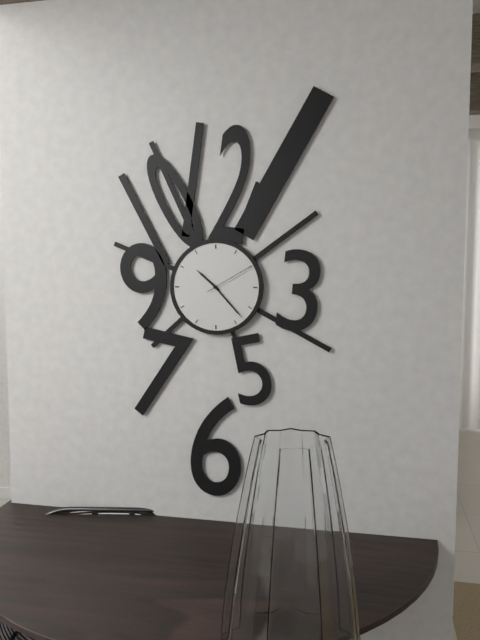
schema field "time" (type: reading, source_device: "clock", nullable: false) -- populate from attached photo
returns 10:23:10
